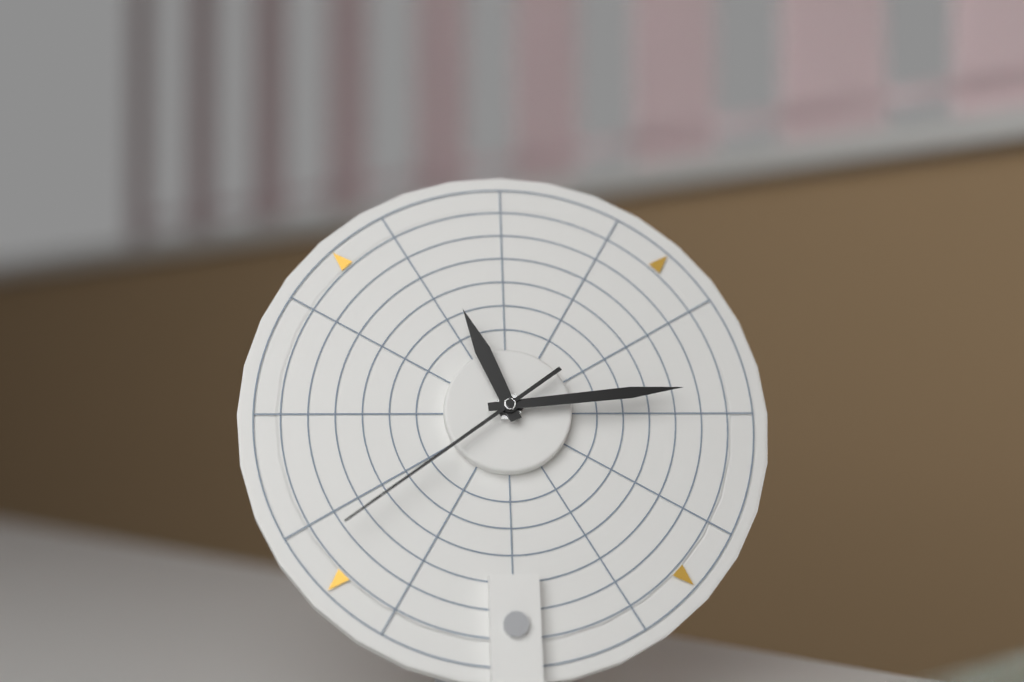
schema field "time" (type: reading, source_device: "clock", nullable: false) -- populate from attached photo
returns 11:14:39
